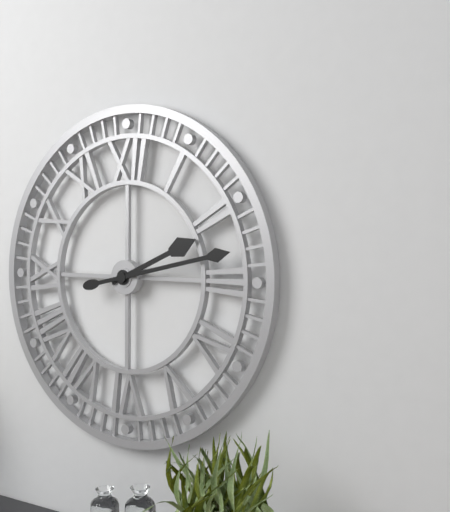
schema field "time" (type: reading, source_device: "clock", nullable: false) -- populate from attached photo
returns 2:13
